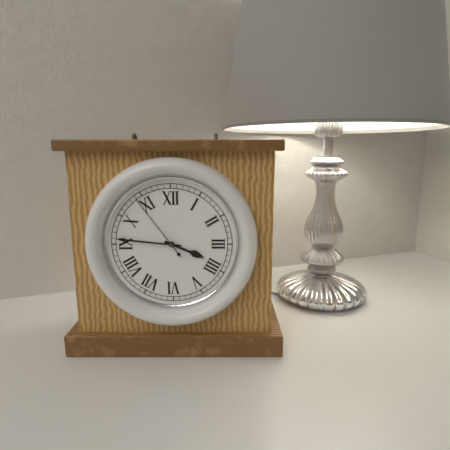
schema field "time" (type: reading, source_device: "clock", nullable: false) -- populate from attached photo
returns 3:46:54
